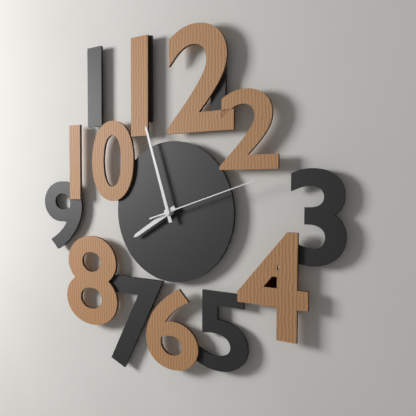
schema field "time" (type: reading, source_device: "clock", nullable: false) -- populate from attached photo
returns 7:57:12
